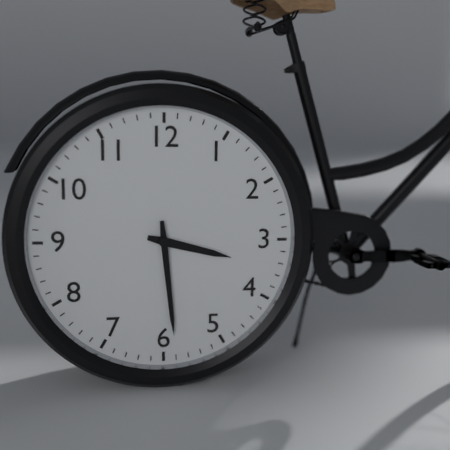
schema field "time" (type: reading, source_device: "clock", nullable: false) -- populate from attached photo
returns 3:29
